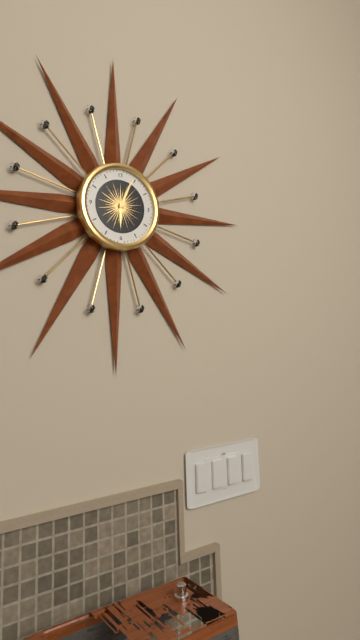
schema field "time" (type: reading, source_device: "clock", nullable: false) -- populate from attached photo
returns 6:04
